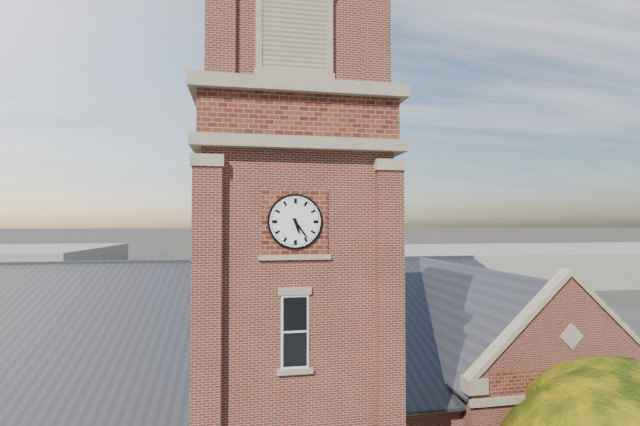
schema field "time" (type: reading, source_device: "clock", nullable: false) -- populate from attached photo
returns 5:24
